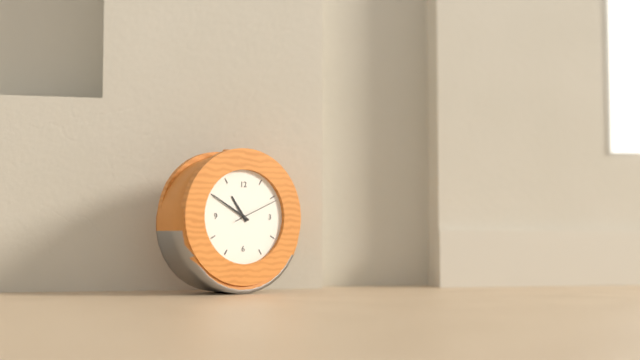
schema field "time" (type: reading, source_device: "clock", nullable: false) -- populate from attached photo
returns 10:50
